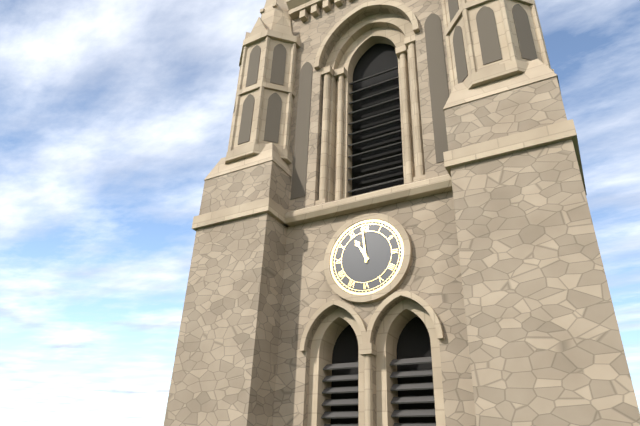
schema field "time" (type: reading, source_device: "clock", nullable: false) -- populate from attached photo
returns 10:59
